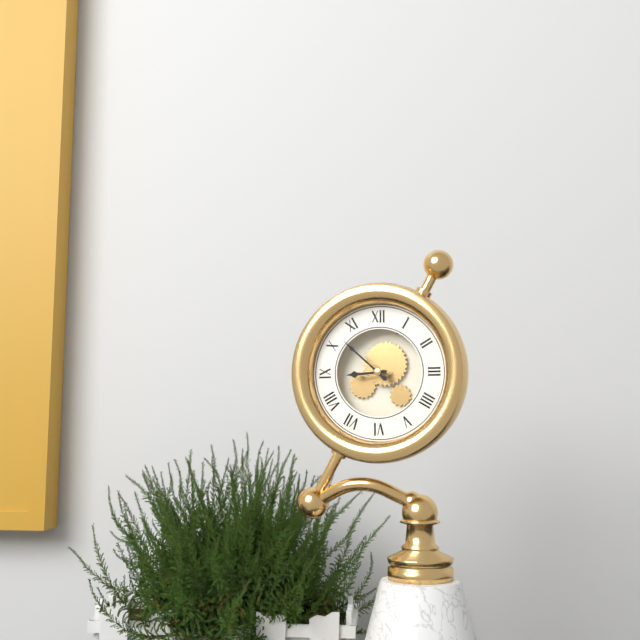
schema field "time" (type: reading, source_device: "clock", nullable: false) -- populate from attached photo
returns 8:52
